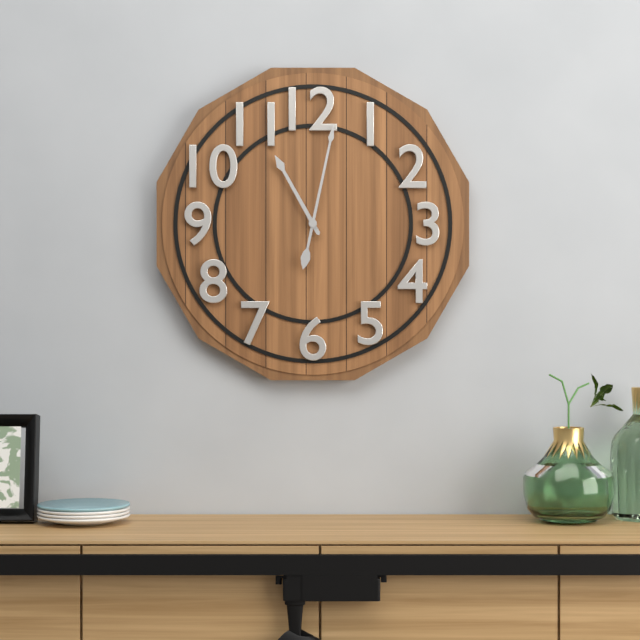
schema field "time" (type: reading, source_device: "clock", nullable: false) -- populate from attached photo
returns 11:02
